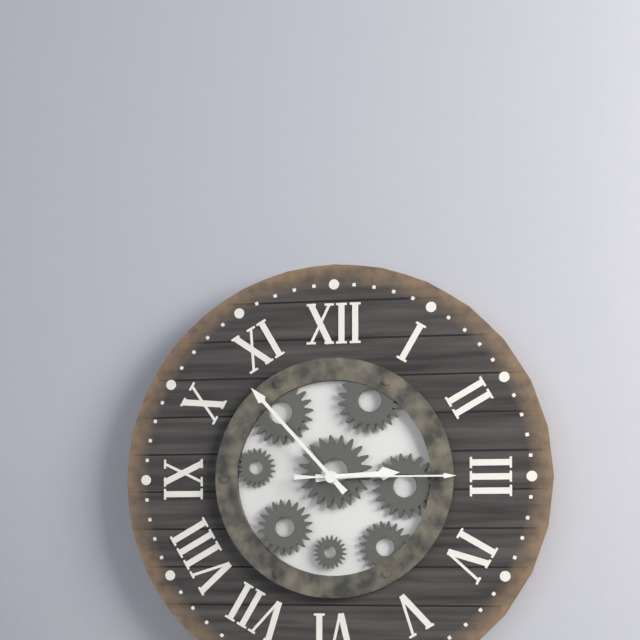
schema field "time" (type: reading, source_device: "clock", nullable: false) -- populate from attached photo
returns 2:53:15
